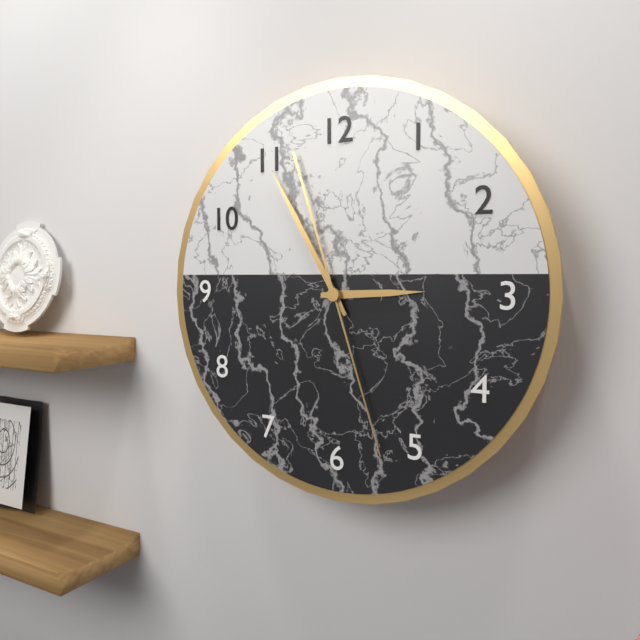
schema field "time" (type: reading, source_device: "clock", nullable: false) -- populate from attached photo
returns 2:55:27
